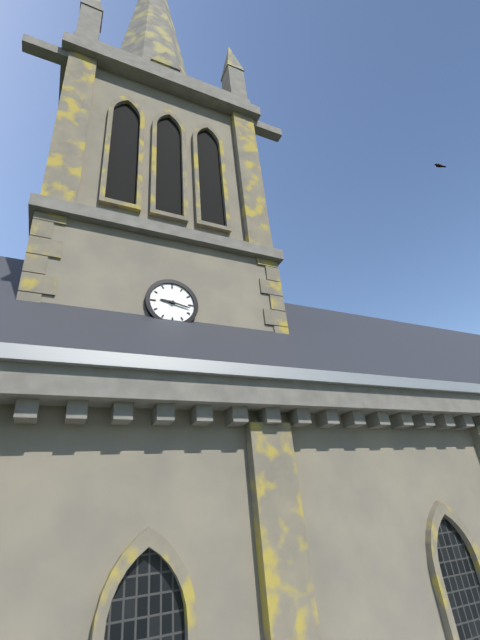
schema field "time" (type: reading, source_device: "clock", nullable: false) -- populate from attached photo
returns 9:17
